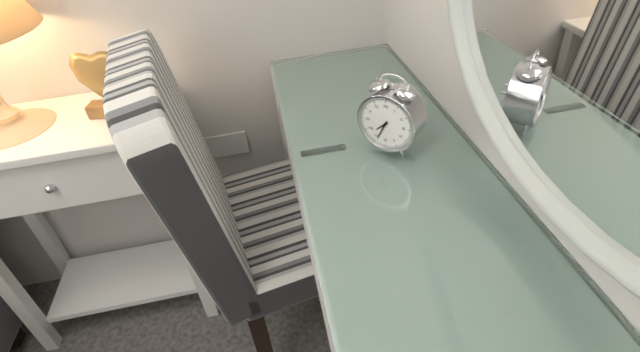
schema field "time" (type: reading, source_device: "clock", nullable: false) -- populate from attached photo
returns 7:34
